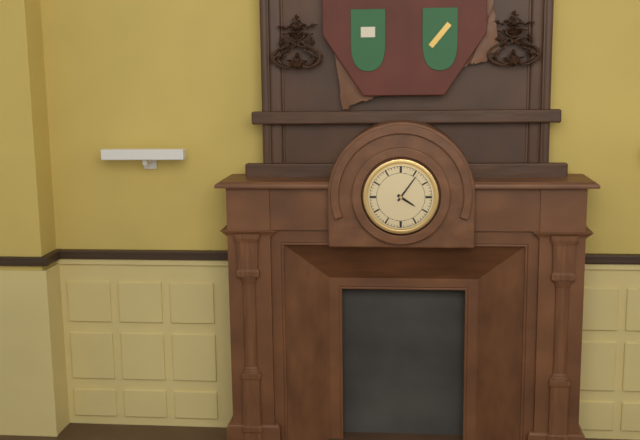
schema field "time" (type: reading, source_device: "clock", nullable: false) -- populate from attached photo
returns 4:06
